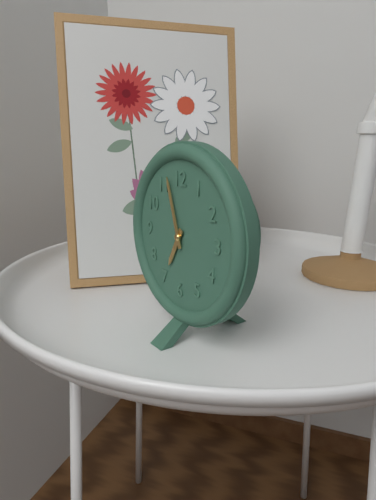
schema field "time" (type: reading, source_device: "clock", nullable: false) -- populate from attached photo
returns 6:57
